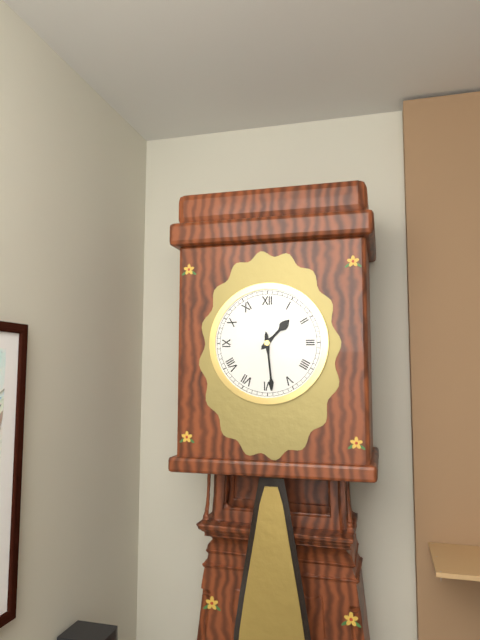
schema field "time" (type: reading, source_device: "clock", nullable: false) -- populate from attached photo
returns 1:29
